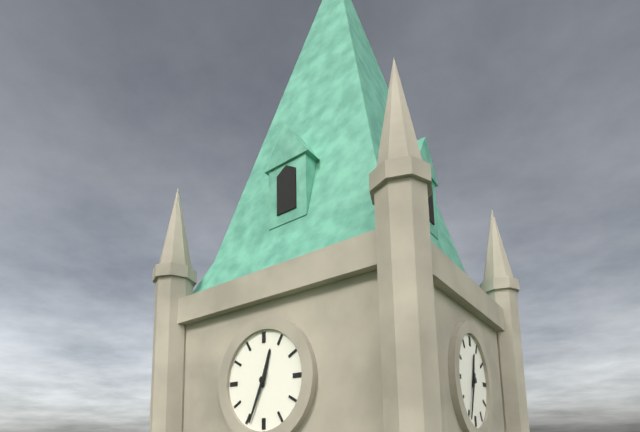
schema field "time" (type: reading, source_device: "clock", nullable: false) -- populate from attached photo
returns 12:34
